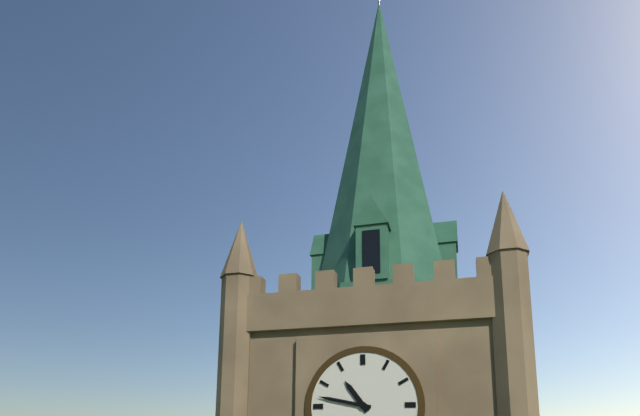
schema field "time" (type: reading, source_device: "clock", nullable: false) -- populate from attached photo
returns 10:47
